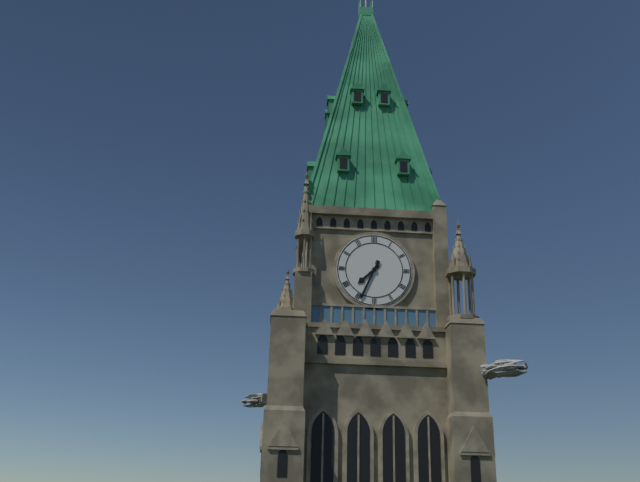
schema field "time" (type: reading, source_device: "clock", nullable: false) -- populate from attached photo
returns 7:34
